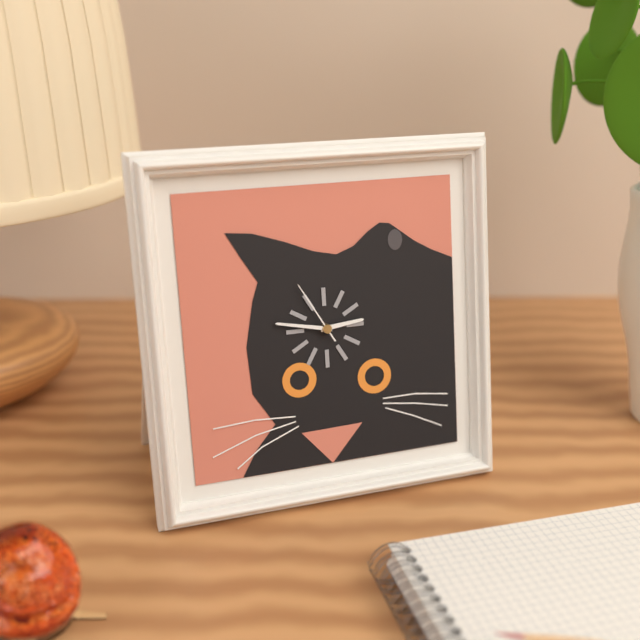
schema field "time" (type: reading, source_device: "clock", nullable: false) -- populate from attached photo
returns 2:47:55
